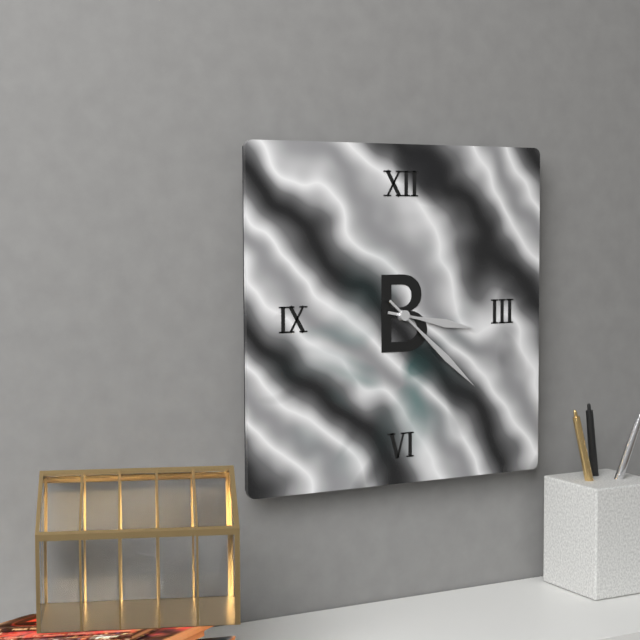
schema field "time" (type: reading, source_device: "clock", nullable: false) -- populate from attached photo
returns 3:22
